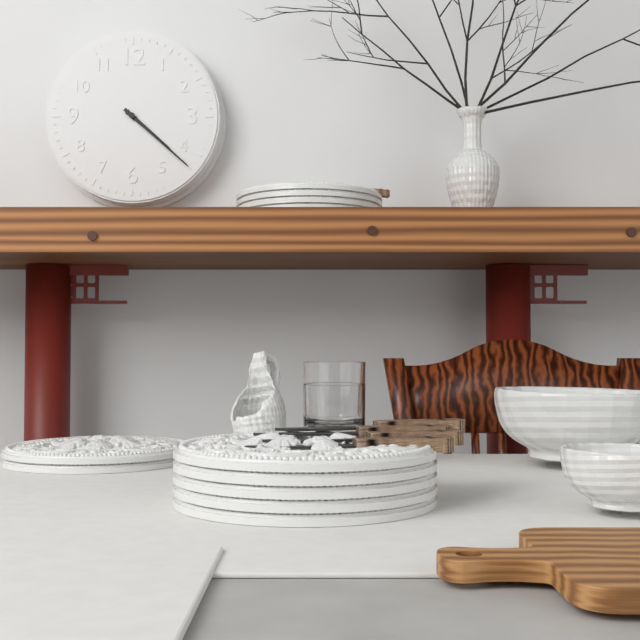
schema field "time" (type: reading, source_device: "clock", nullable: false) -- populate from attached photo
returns 4:22
